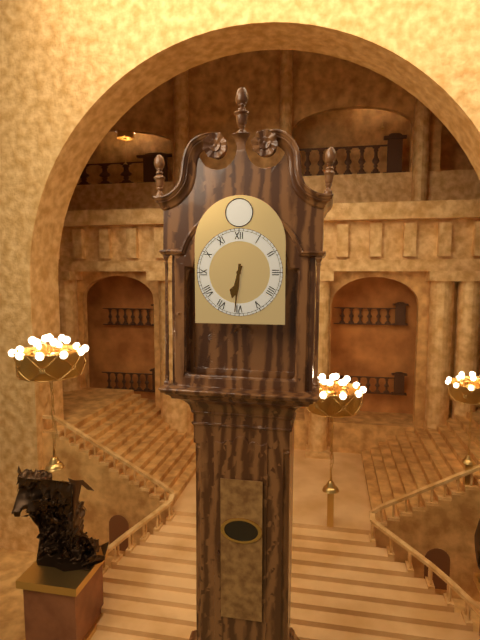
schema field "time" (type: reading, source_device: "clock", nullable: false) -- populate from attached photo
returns 6:31
